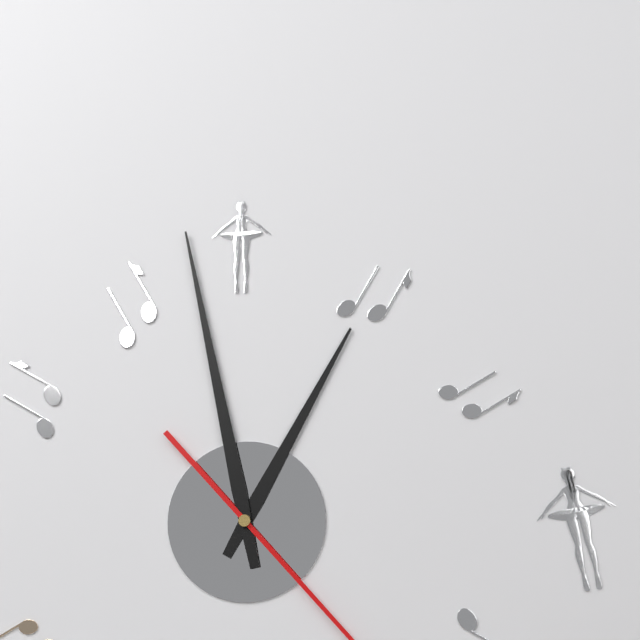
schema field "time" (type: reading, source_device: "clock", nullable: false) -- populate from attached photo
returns 12:58
